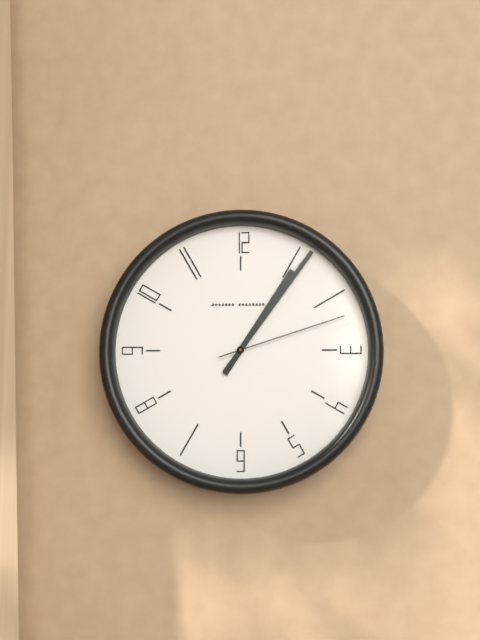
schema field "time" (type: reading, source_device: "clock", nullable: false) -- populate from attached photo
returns 1:06:12
